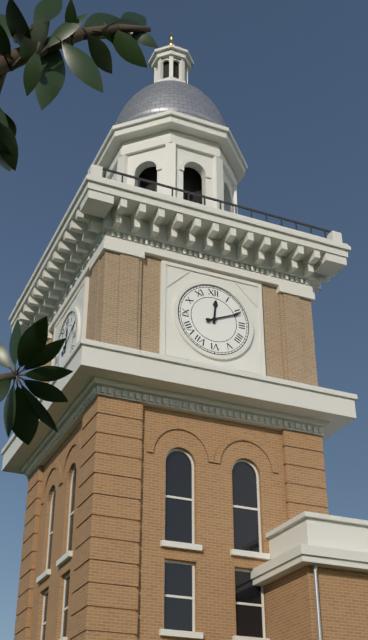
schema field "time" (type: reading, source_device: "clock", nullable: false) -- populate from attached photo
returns 12:11
